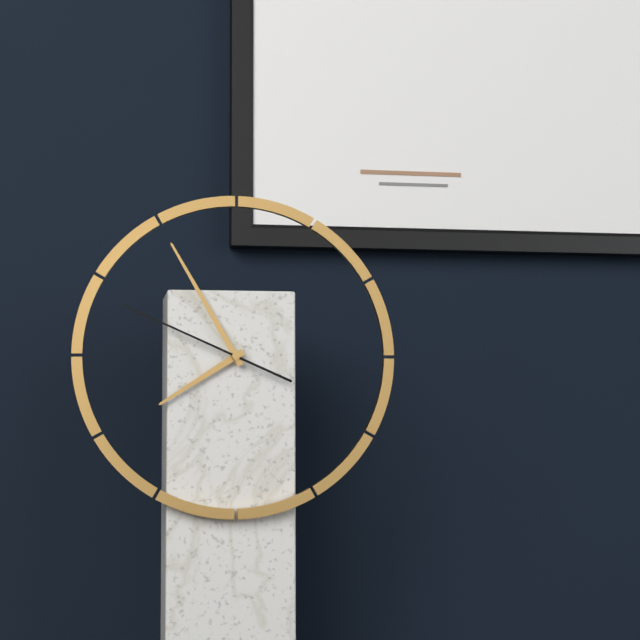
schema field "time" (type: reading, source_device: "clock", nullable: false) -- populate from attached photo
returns 7:55:49
